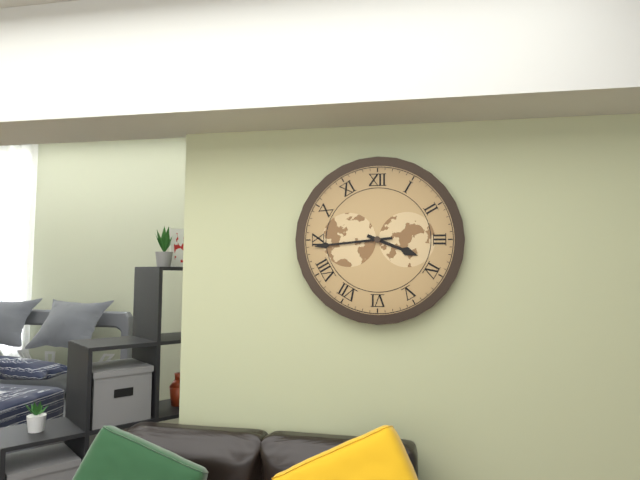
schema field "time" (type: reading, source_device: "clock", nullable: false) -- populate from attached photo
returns 3:44
